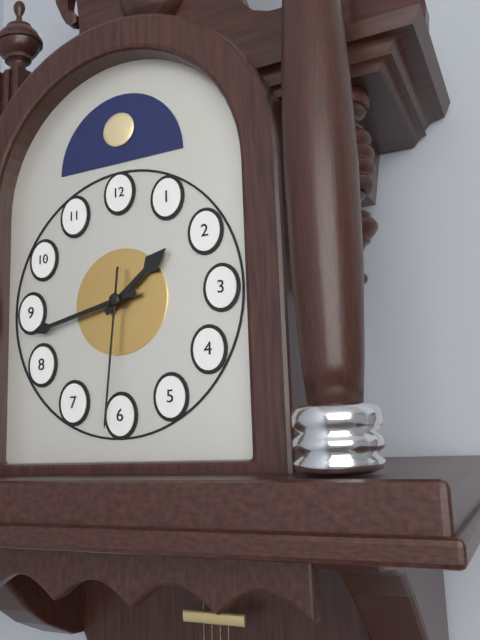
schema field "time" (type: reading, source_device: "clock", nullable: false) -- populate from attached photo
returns 1:43:31
